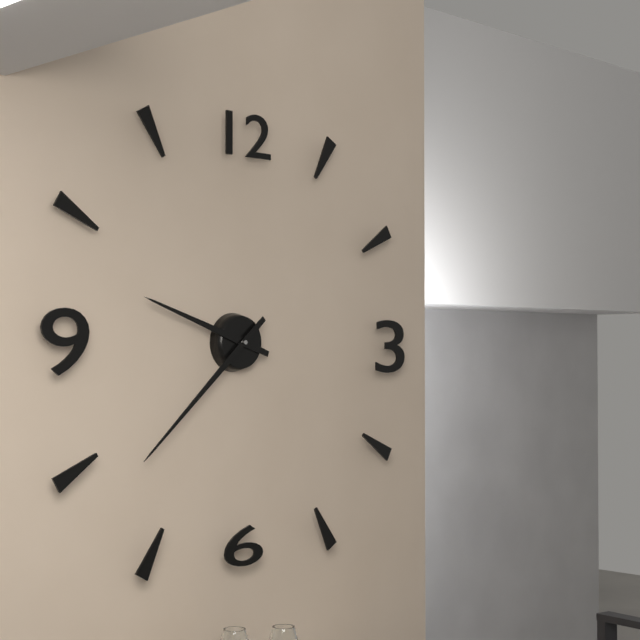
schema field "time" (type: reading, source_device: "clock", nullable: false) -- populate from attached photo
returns 9:38
